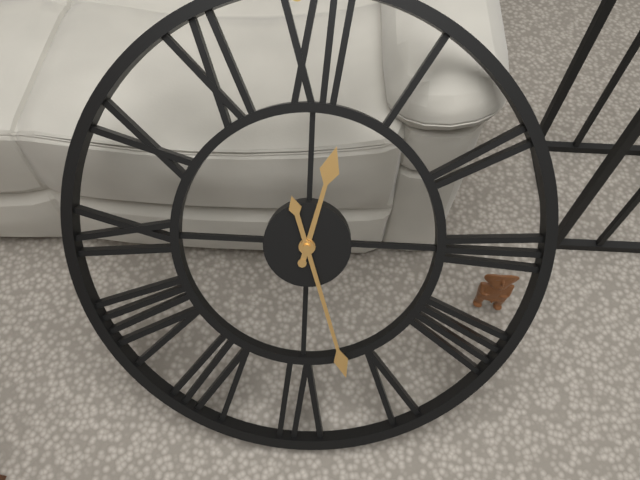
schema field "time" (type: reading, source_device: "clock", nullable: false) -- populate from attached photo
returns 12:27
